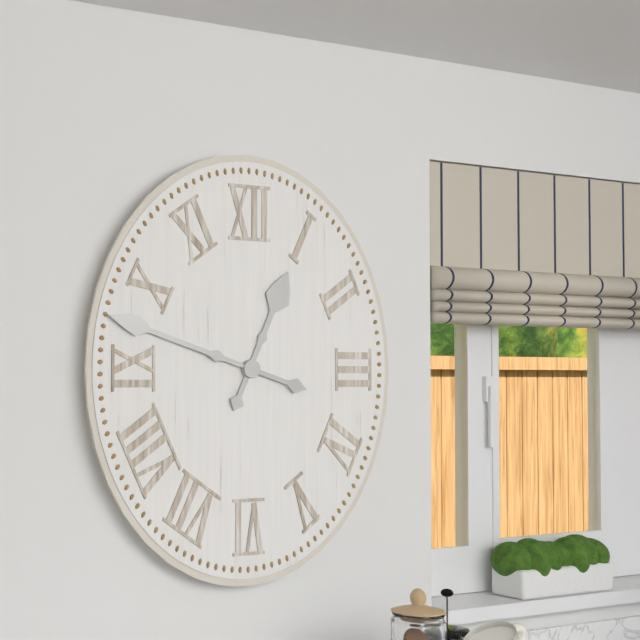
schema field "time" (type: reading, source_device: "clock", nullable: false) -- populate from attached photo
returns 12:48
